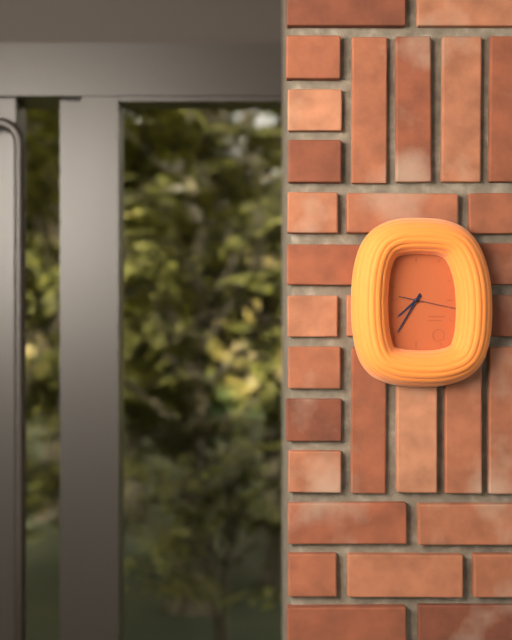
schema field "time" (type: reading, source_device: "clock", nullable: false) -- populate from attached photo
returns 7:35:17
